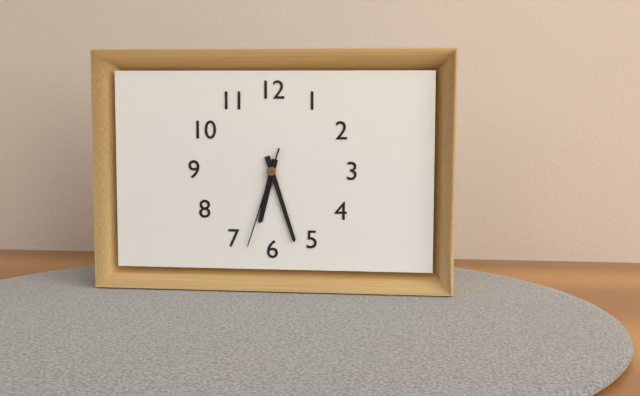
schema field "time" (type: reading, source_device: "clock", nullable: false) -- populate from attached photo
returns 6:27:33
